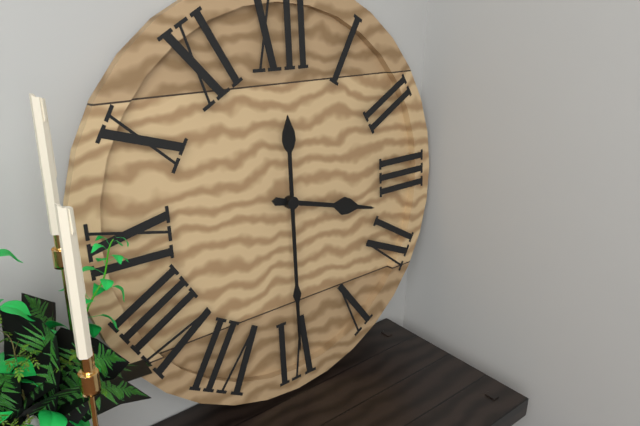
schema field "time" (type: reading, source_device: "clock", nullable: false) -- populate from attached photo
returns 3:30
